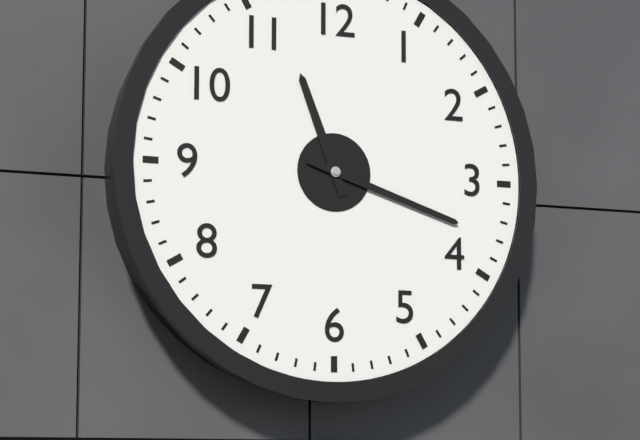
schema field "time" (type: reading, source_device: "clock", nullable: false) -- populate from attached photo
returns 11:18
